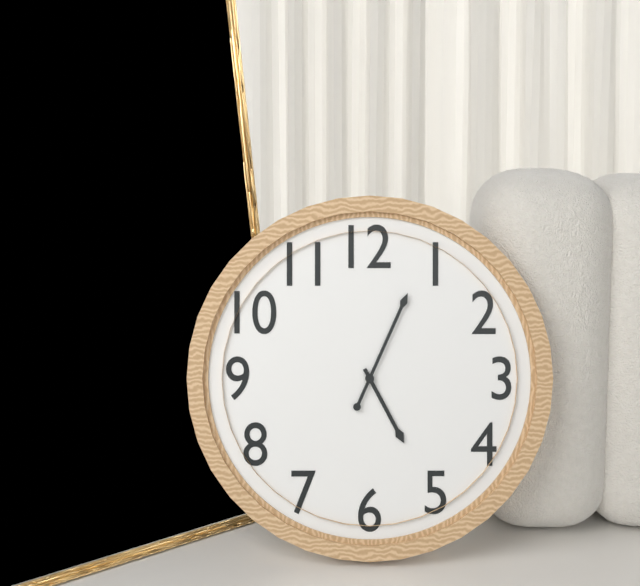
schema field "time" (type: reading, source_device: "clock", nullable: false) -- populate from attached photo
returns 5:04
